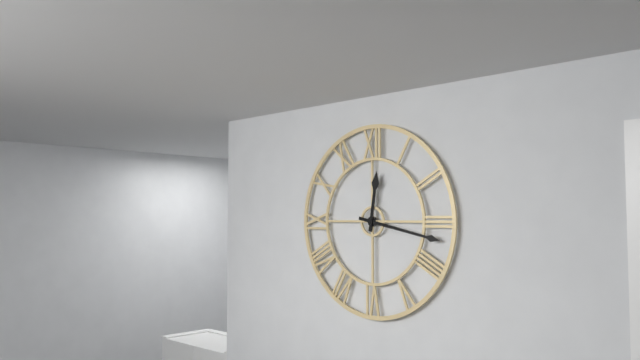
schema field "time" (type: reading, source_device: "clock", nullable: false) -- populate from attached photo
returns 12:17
